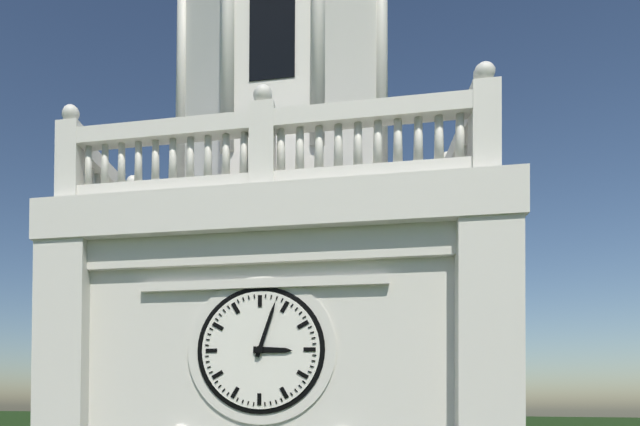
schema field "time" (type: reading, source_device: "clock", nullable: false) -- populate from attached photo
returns 3:03
